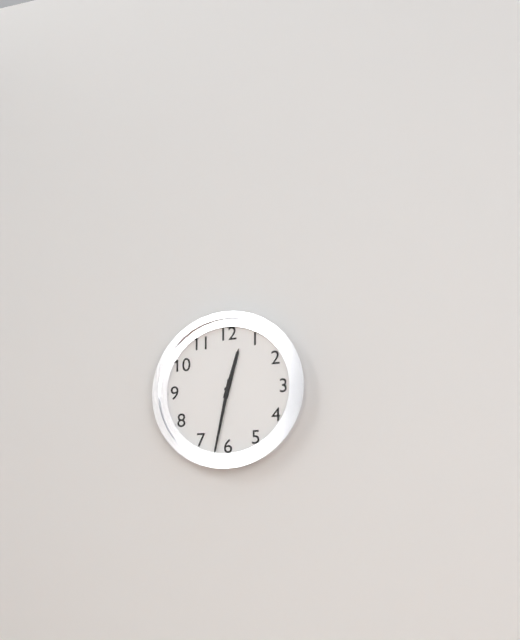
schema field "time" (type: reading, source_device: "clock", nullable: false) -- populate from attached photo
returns 12:32
